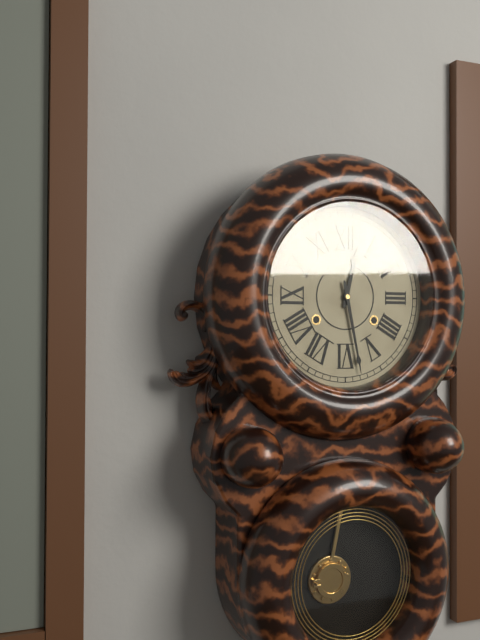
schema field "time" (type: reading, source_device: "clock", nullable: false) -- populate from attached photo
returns 12:28
